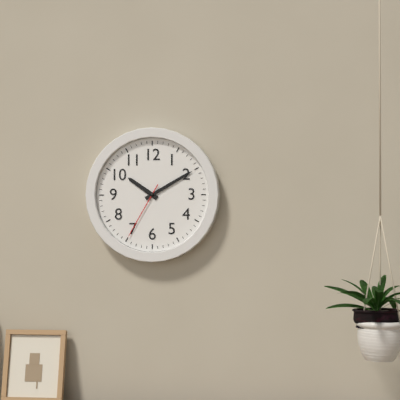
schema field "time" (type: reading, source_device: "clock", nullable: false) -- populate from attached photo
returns 10:10:35
